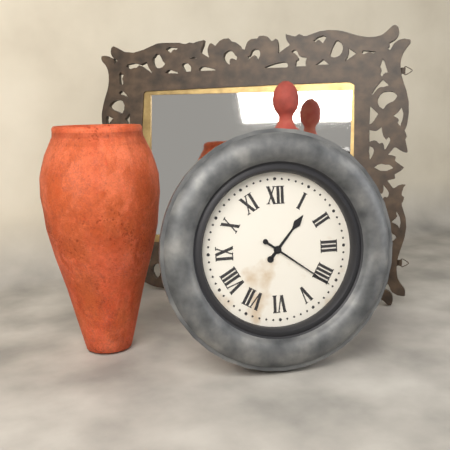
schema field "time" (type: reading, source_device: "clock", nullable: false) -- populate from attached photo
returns 1:21
